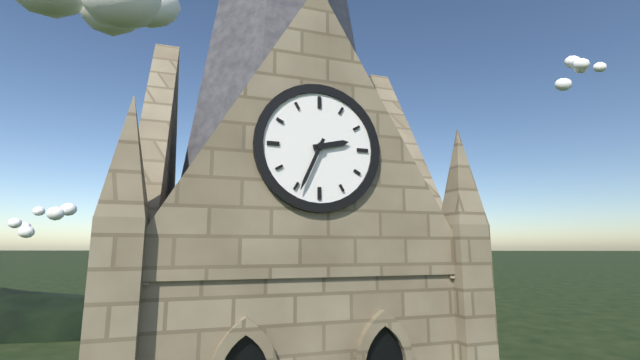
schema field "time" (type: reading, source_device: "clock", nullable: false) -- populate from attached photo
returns 2:34
